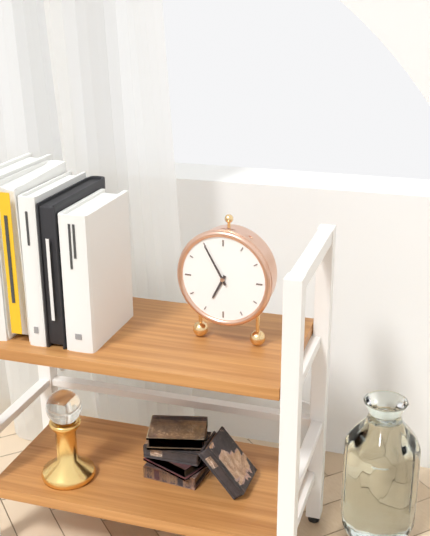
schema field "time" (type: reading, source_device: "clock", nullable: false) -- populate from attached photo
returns 6:55
